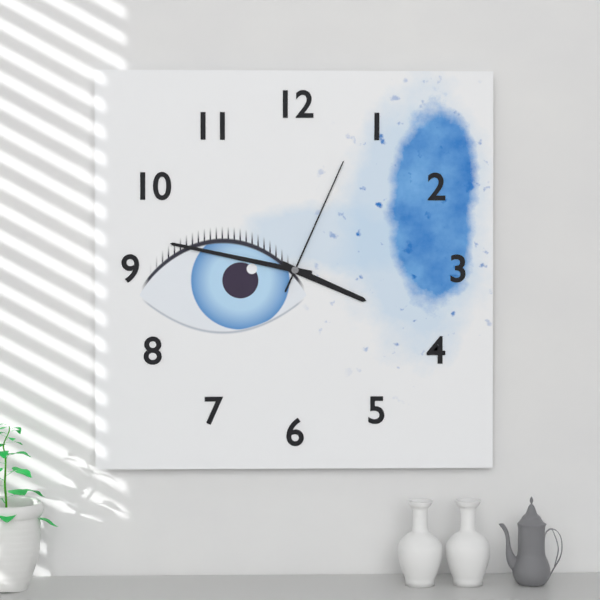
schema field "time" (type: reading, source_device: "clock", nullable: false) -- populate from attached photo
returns 3:47:04
